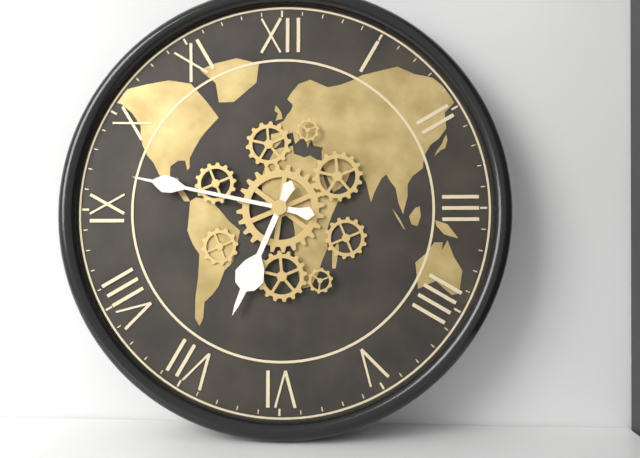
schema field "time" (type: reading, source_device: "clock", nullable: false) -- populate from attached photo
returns 6:47
